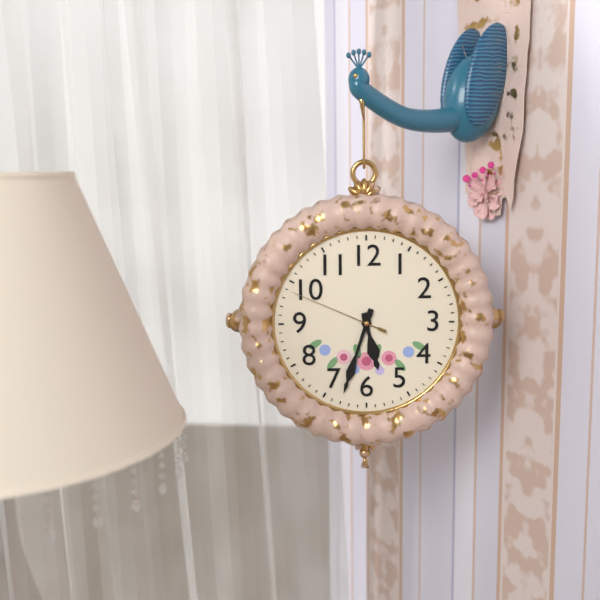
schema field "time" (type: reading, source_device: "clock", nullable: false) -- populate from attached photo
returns 5:33:49
